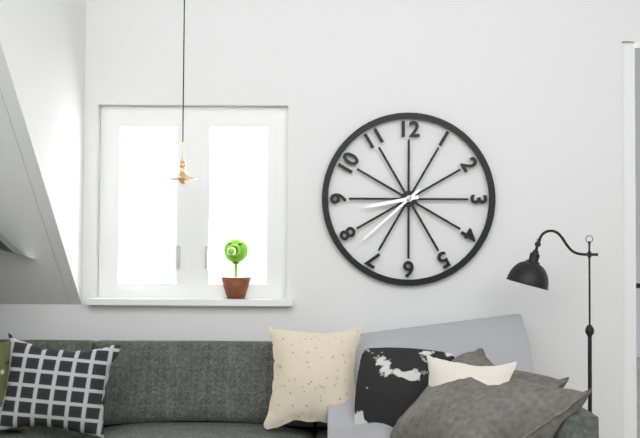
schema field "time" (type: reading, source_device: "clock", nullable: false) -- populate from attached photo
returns 8:38
